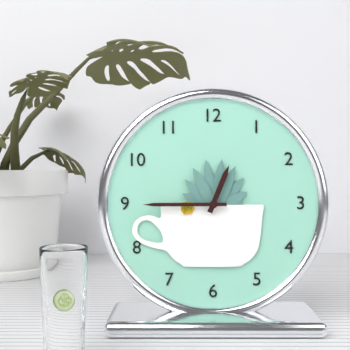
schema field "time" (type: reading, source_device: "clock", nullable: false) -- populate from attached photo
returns 12:45
